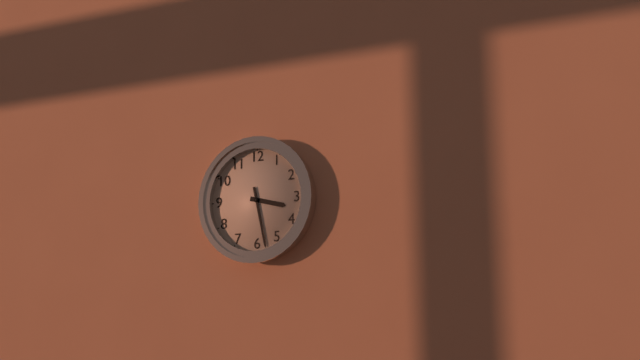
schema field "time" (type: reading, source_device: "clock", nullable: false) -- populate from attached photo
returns 3:28
